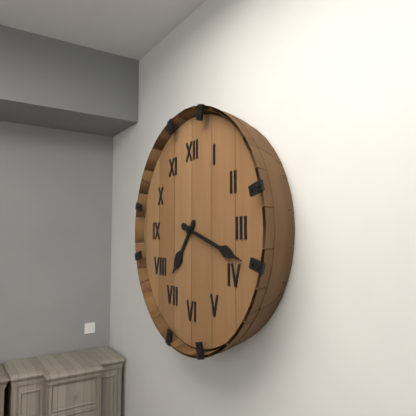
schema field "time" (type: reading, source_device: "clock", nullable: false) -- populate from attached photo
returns 7:18
